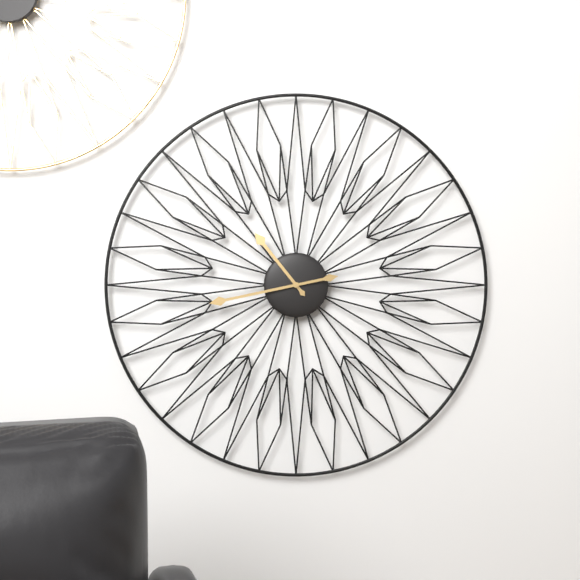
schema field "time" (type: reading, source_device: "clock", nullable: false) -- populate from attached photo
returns 10:43
